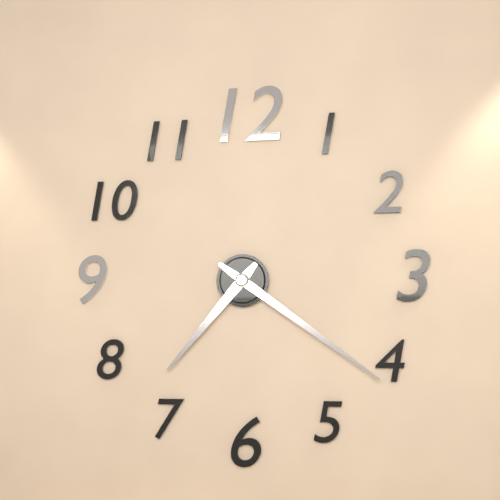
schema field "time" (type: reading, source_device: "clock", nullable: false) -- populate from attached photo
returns 7:21
